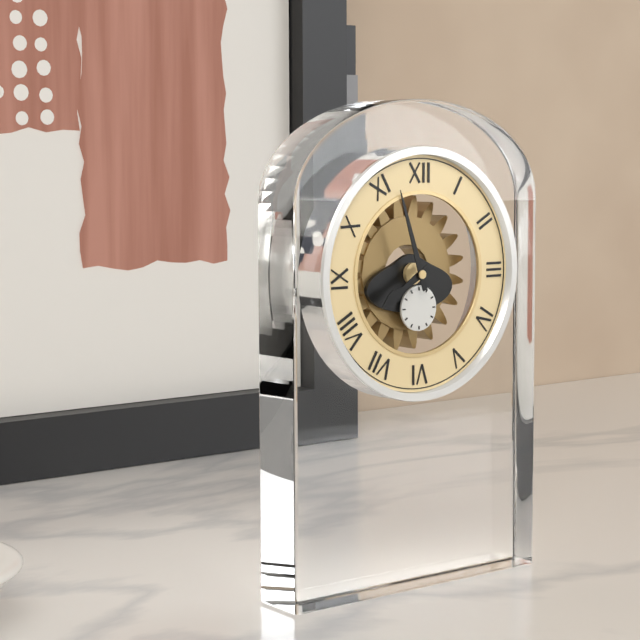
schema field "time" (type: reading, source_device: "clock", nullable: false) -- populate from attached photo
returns 7:57
